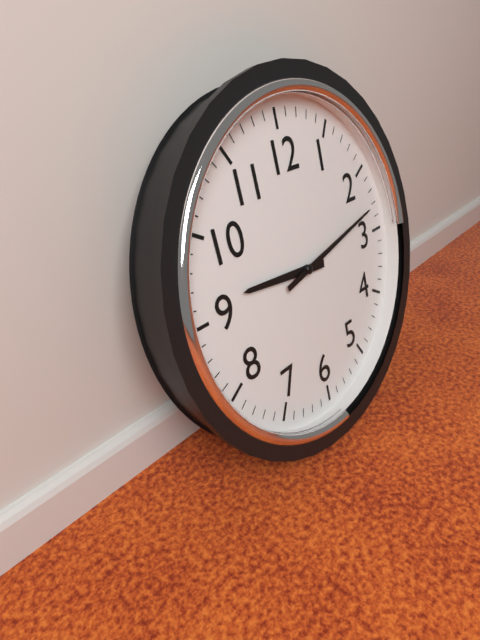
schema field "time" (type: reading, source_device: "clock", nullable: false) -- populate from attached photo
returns 9:13
